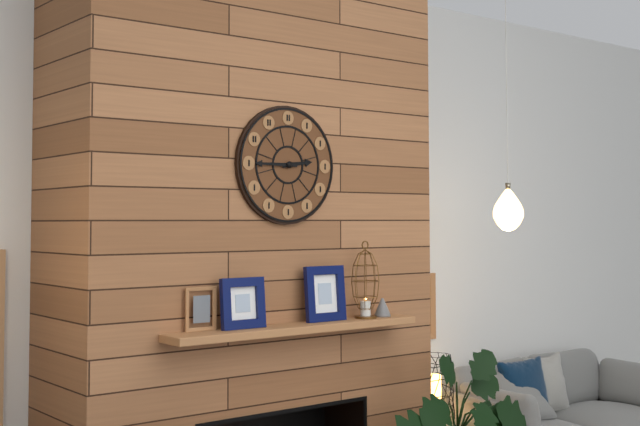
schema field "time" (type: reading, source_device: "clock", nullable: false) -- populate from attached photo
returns 2:45
